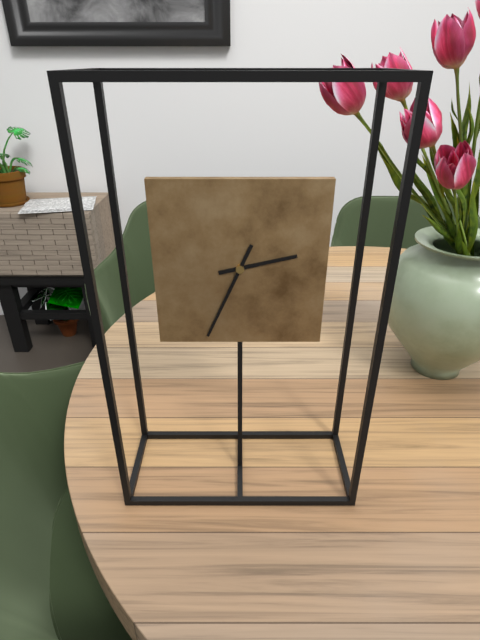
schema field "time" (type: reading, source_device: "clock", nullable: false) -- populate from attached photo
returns 2:34
